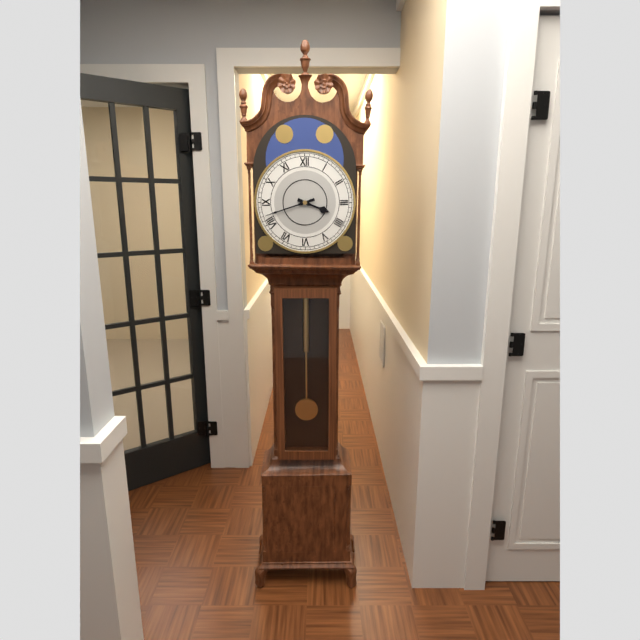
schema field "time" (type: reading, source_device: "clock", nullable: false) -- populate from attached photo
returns 3:42
